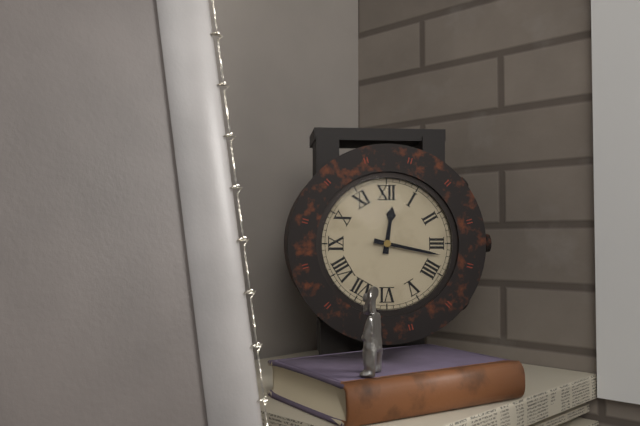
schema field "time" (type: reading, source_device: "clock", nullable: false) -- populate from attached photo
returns 12:17
